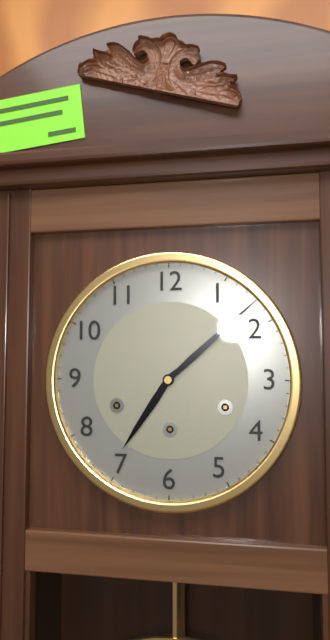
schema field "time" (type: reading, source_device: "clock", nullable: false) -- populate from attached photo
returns 7:08
